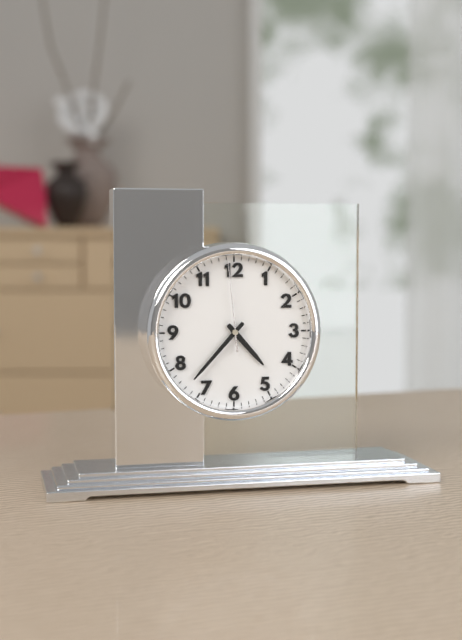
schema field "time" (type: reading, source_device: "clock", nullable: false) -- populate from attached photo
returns 4:37:59
